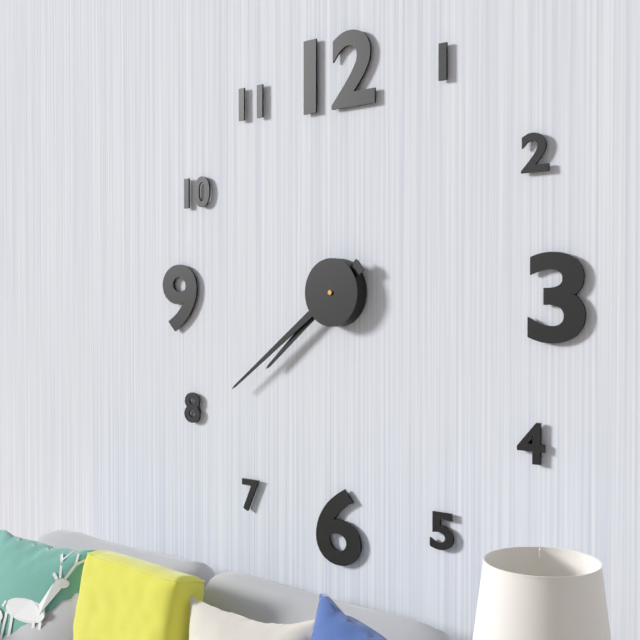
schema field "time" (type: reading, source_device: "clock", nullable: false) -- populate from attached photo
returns 7:39
